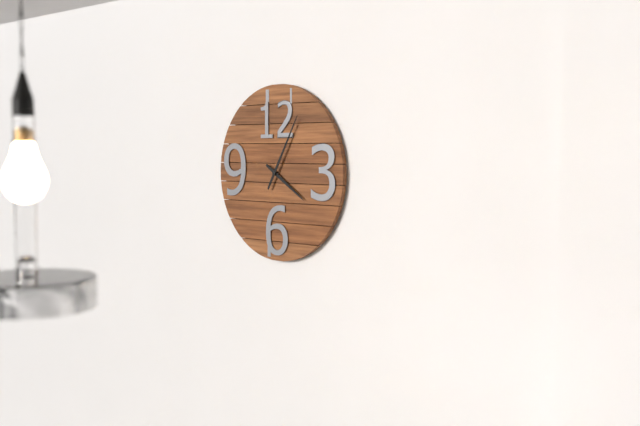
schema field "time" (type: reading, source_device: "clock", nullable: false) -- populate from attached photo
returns 4:05
